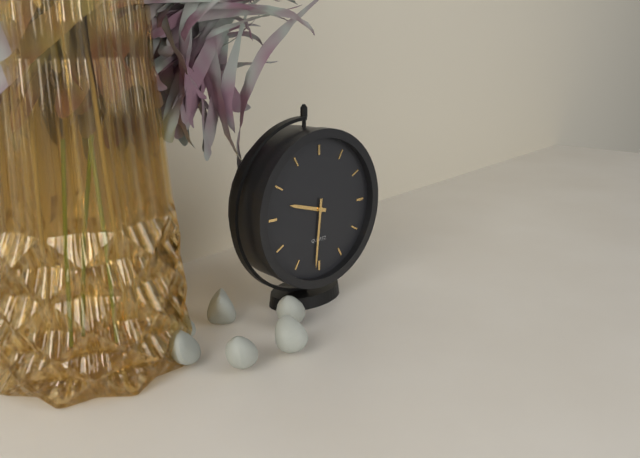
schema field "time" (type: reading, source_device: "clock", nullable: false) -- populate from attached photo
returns 9:31
